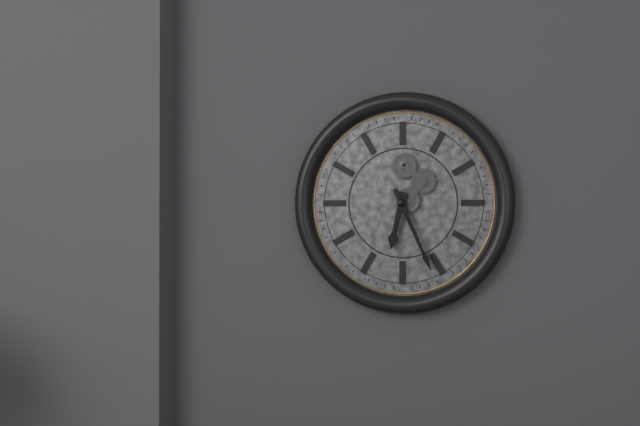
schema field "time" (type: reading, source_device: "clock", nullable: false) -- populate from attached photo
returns 6:26
